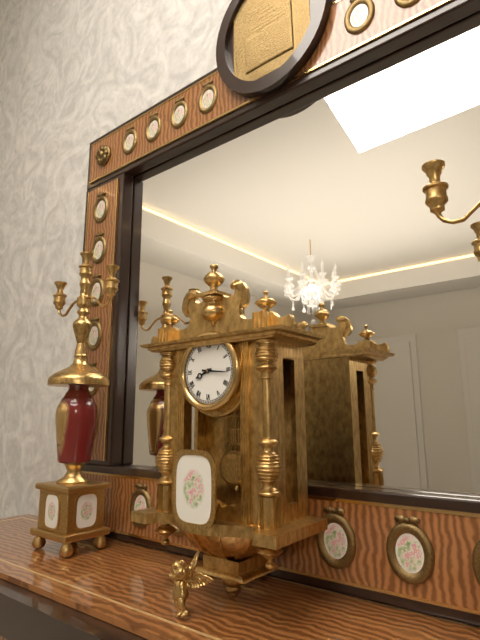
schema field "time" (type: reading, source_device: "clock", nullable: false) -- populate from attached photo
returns 8:16
